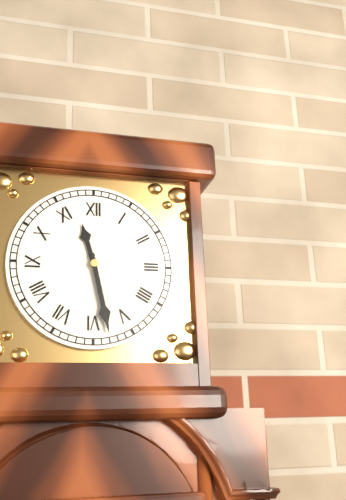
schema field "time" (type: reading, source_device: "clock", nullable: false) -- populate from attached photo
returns 11:28
